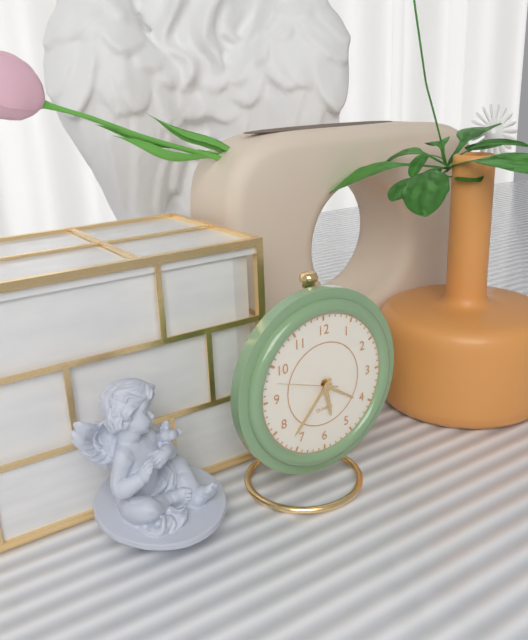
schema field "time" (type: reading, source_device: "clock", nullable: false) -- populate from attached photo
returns 5:37:48
